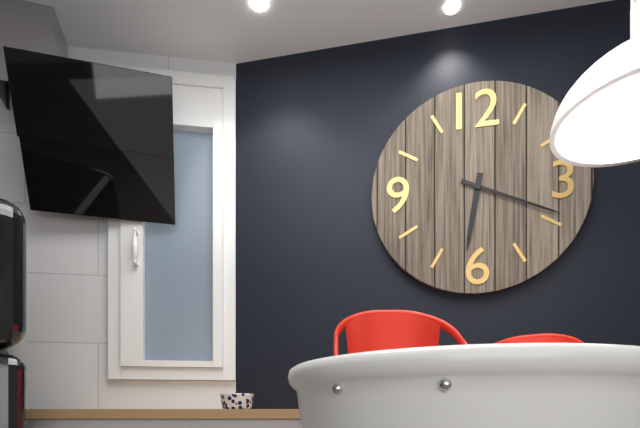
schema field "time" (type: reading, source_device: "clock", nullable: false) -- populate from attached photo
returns 6:19
